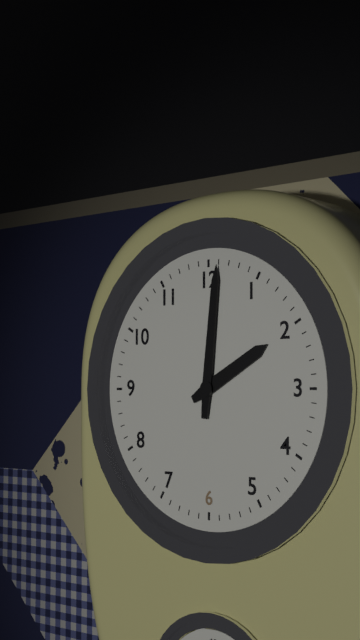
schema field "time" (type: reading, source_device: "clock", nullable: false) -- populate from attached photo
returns 2:01
